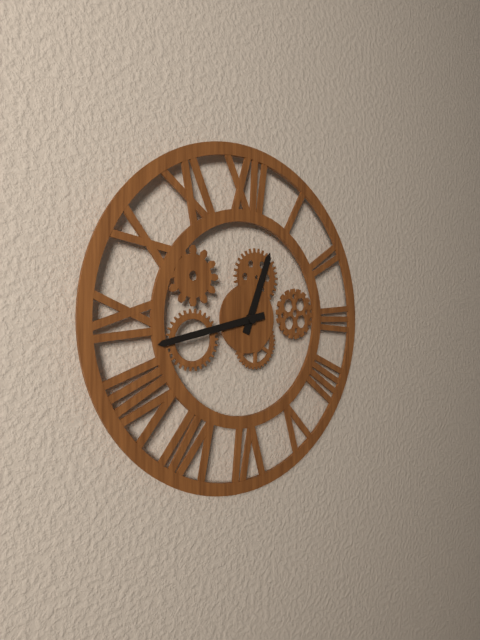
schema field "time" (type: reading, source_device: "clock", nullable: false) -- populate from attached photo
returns 12:43
